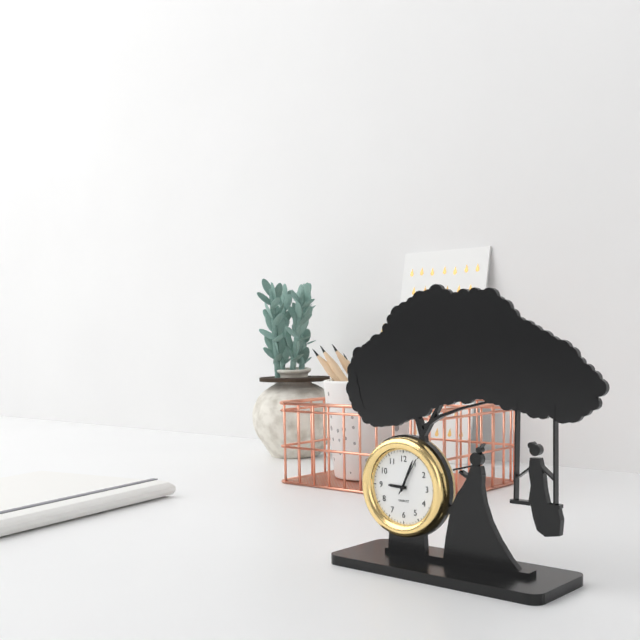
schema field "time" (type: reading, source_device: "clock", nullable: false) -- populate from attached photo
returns 9:04
